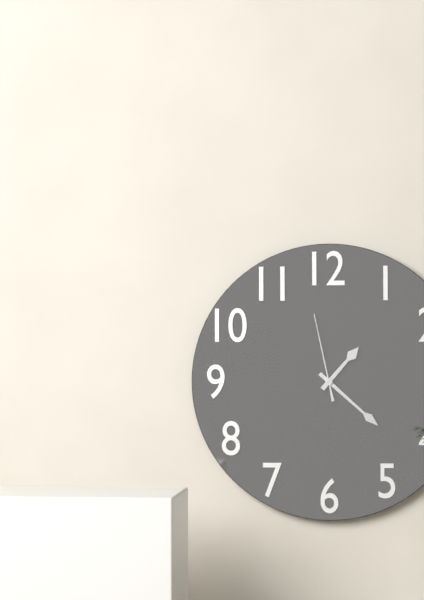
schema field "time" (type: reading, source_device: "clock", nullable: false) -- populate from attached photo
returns 1:22:58
